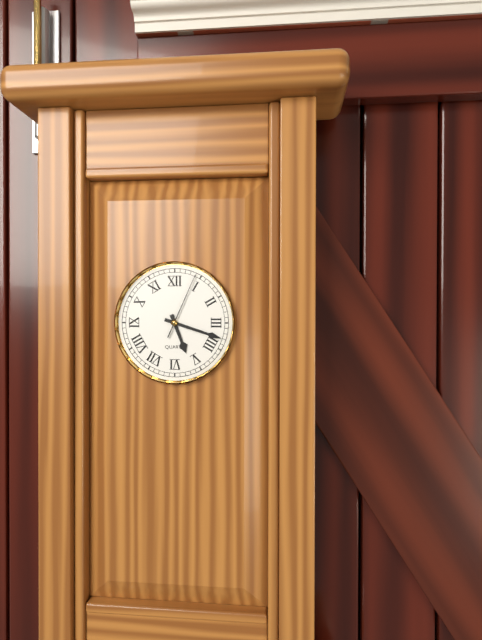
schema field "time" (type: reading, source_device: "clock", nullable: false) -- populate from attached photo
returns 5:18:04
